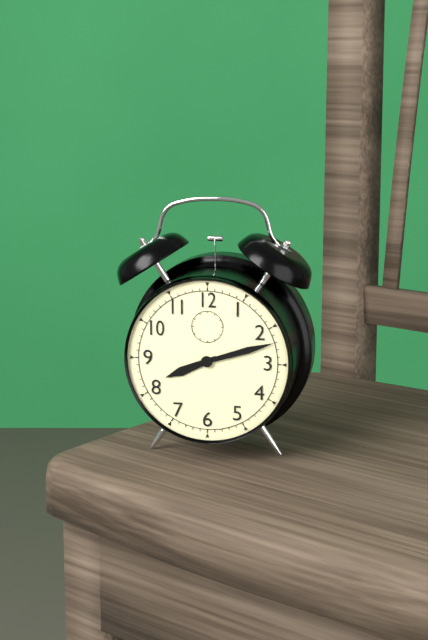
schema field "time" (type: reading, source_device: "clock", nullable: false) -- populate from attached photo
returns 8:12
